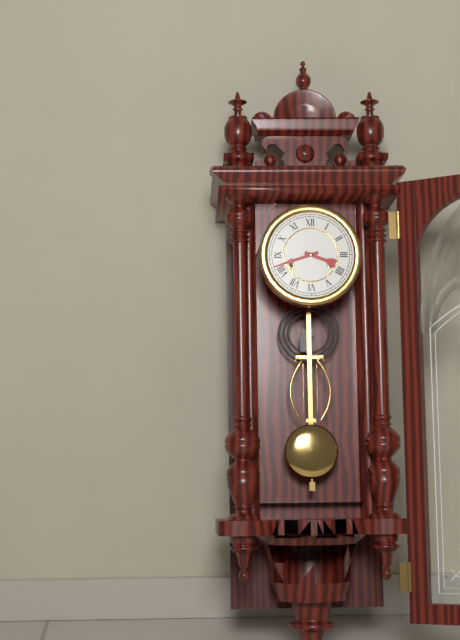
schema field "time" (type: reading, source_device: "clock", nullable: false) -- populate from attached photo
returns 3:42
